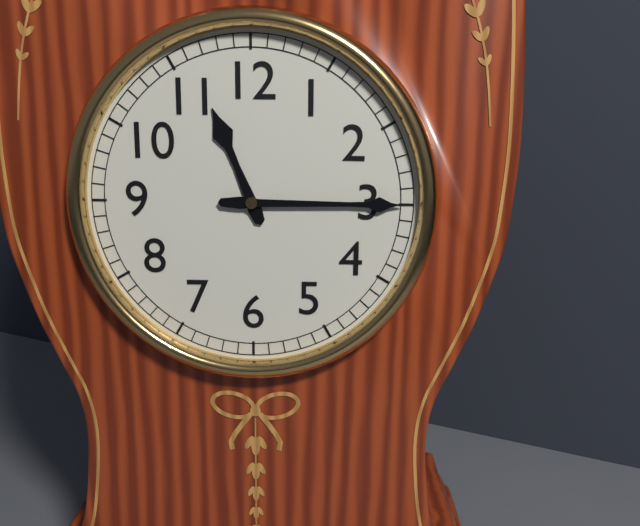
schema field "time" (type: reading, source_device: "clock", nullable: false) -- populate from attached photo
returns 11:15
